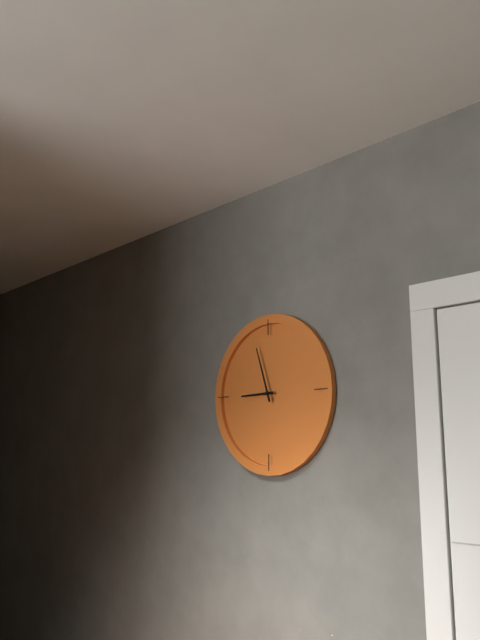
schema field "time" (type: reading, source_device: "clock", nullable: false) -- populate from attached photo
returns 8:57
